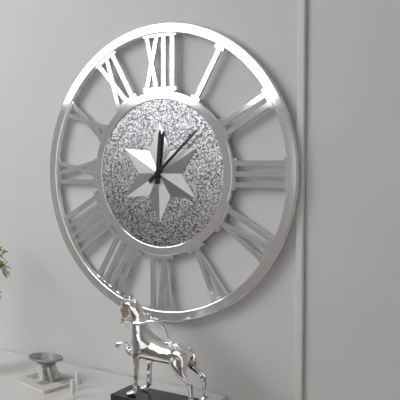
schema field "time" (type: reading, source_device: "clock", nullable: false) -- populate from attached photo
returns 12:08
